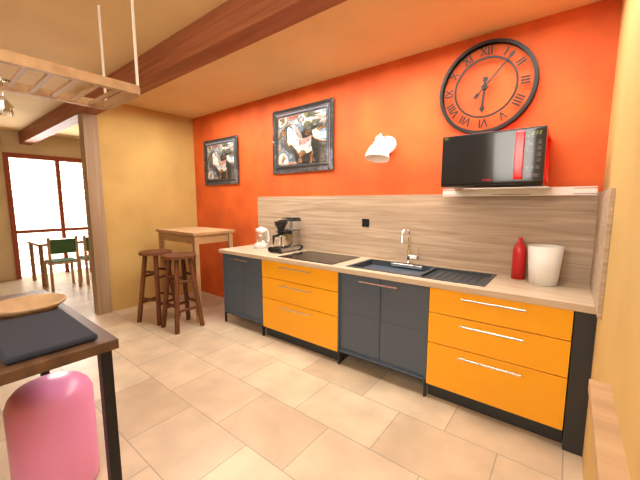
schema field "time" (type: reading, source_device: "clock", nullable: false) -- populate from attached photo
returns 6:07
